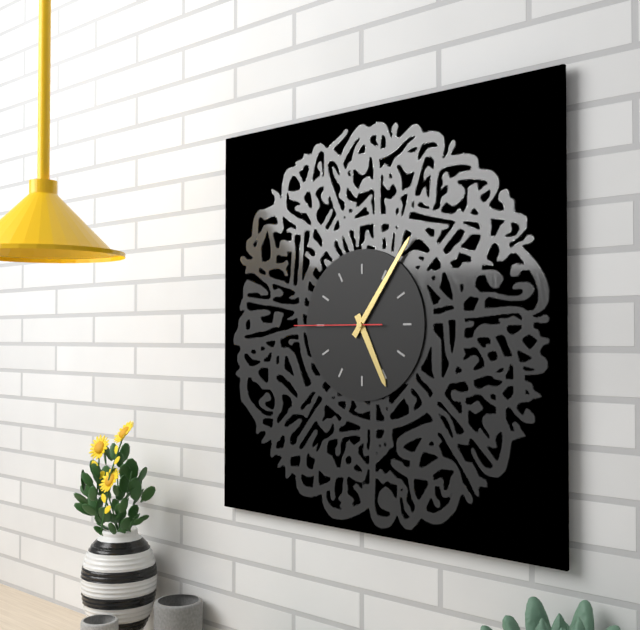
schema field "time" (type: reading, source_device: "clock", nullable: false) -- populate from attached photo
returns 5:06:45
